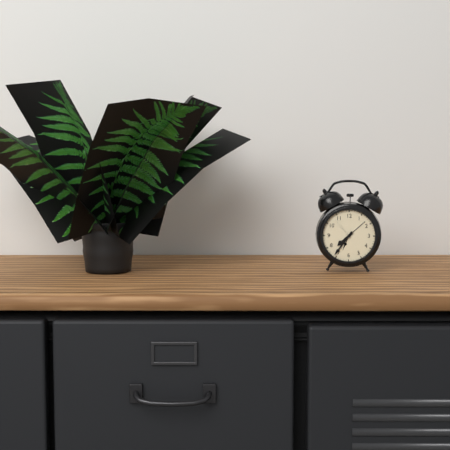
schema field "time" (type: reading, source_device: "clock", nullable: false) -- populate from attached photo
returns 7:36
